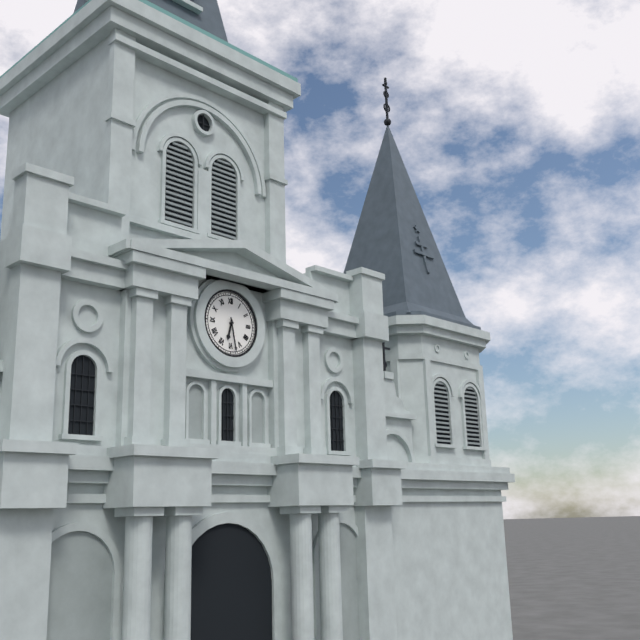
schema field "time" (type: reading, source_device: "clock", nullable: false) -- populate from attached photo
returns 6:28
